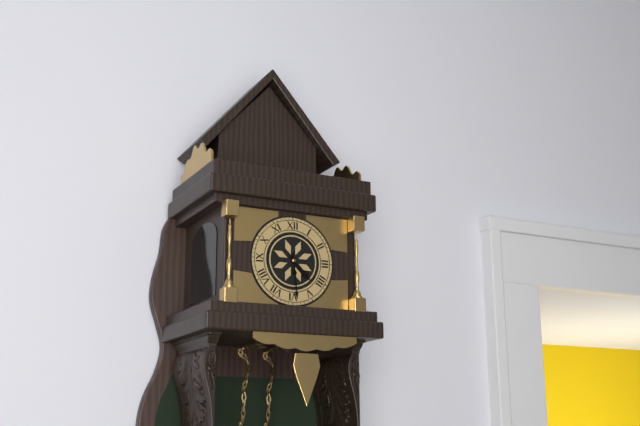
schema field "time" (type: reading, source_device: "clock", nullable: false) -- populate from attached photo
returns 4:29
